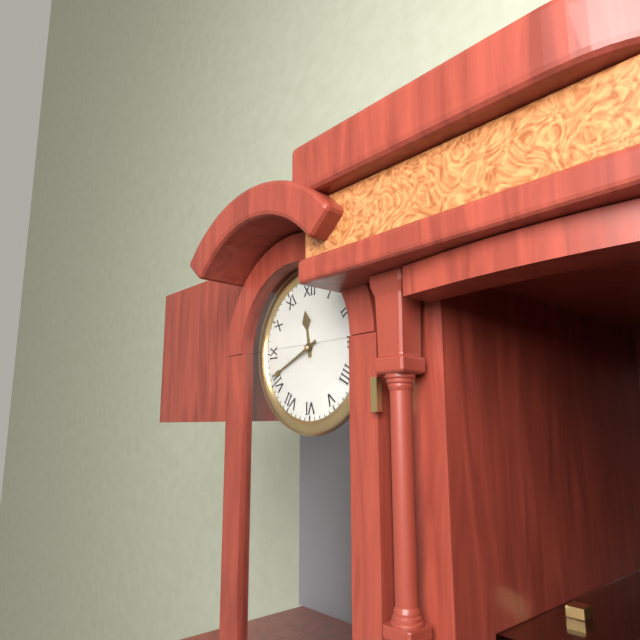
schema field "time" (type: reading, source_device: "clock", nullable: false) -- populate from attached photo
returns 11:41
